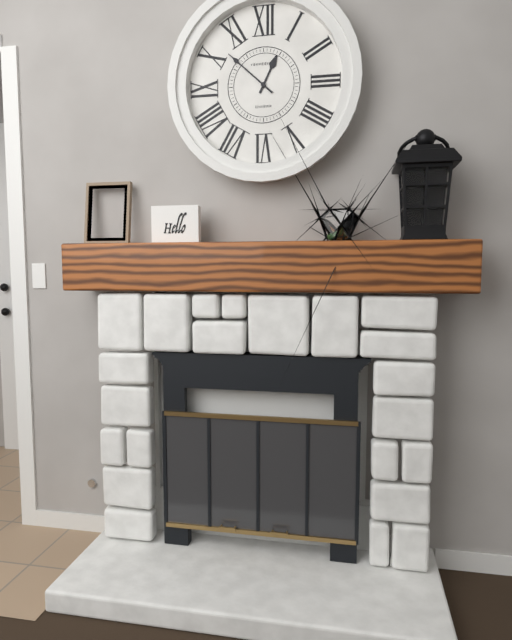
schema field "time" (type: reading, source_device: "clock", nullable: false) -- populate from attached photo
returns 12:52
